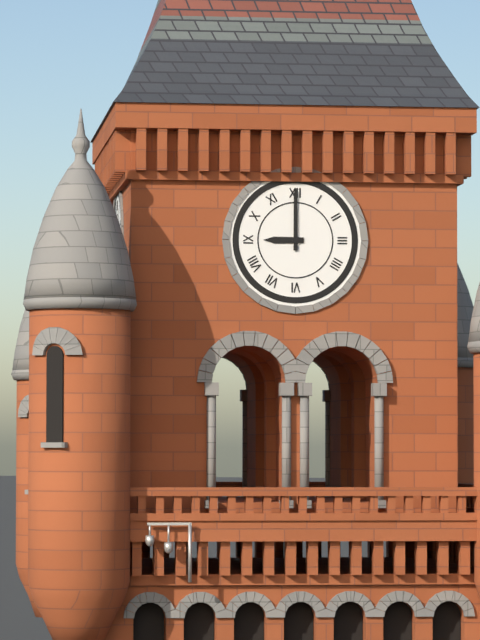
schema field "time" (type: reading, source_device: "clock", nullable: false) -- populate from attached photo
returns 9:00
